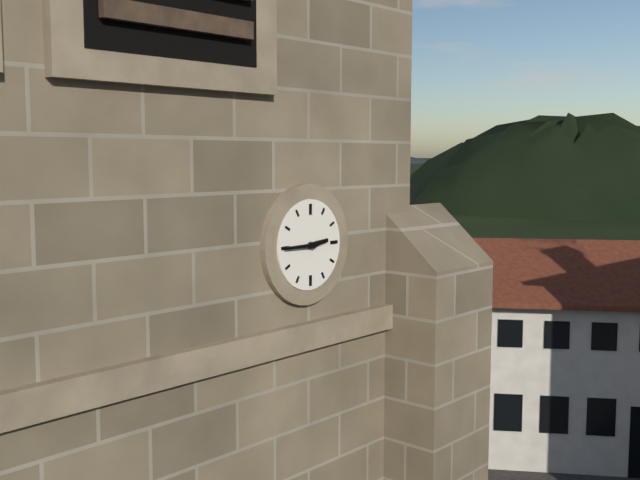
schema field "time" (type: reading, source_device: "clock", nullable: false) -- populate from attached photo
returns 2:45
